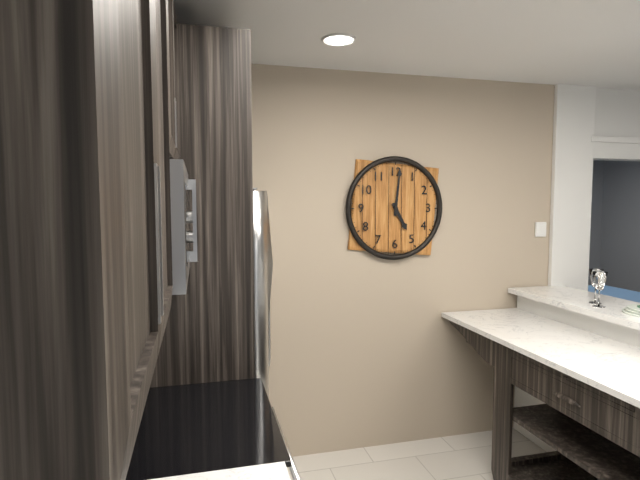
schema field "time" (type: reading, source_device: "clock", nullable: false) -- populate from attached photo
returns 5:01
